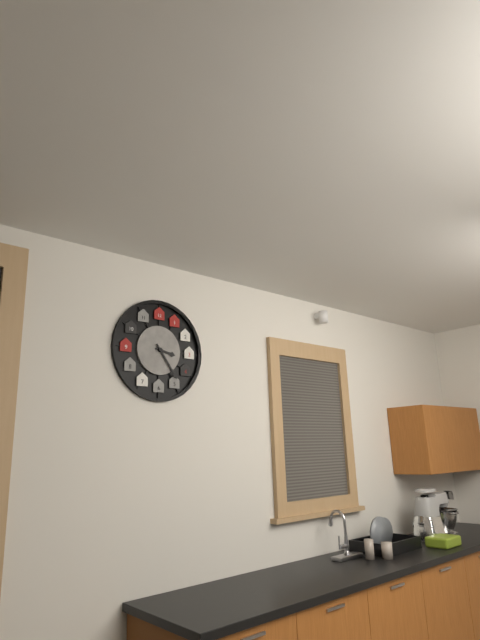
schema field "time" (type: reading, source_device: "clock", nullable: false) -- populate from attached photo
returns 3:24
